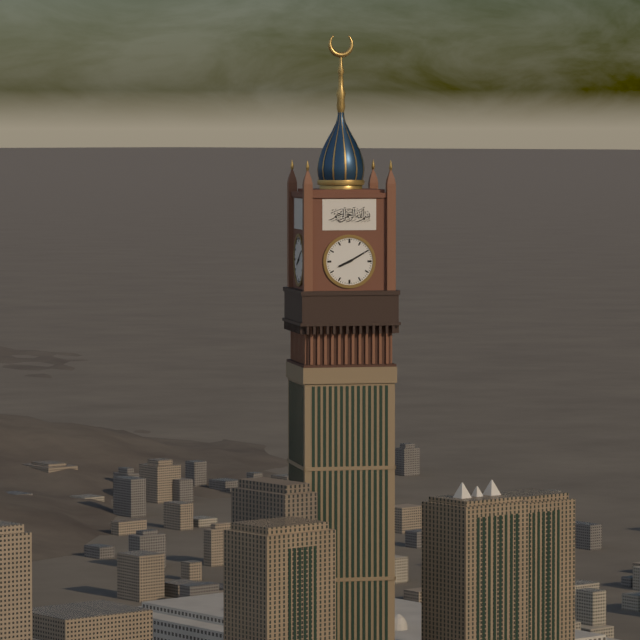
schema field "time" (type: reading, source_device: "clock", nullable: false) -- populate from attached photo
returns 8:10
